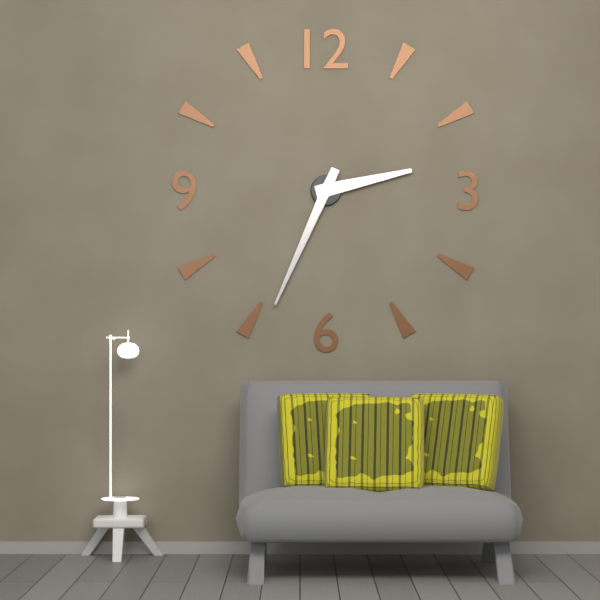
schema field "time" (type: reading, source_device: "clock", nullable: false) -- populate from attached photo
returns 2:34
